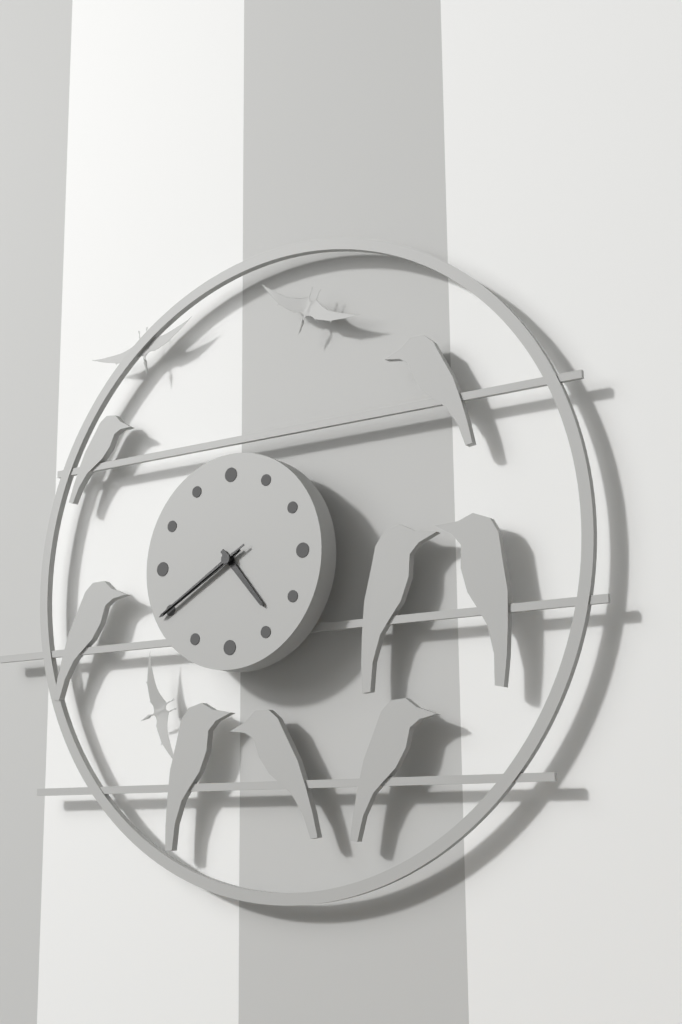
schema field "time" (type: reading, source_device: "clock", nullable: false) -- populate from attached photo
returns 4:40:40
